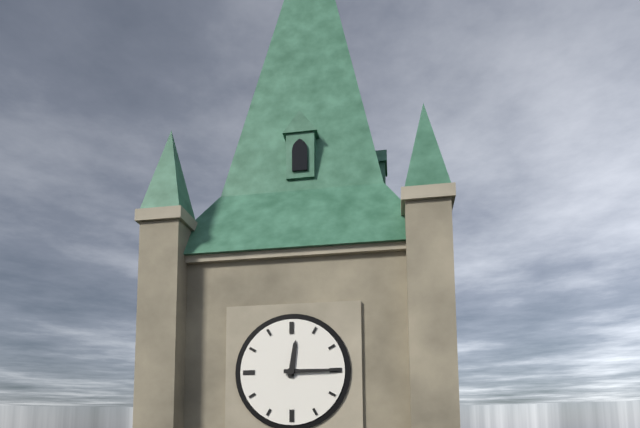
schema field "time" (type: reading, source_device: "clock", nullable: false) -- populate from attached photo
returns 12:15
